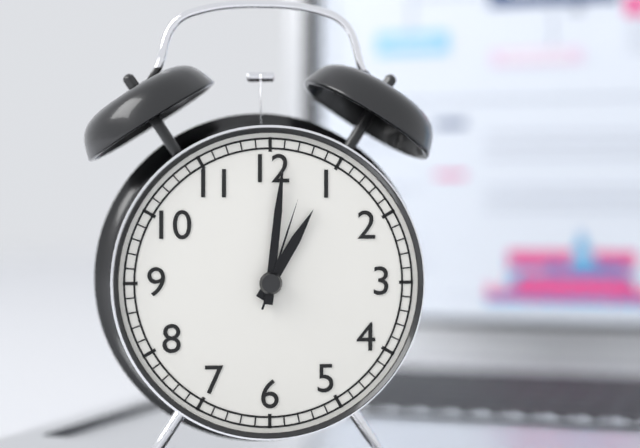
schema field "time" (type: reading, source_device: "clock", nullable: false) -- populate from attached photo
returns 1:01:03
